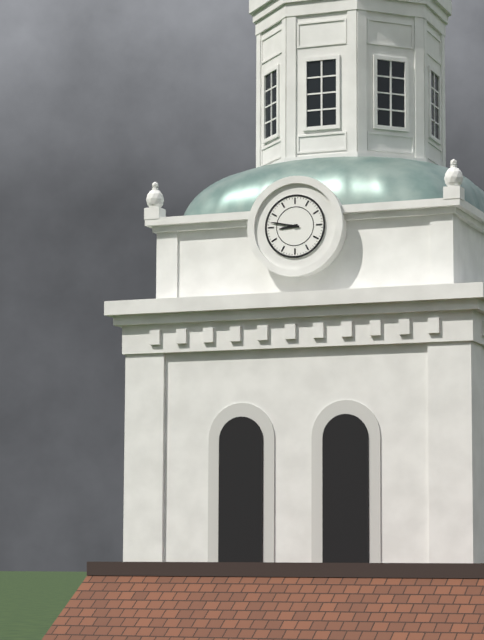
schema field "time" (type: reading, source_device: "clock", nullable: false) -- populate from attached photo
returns 8:47
